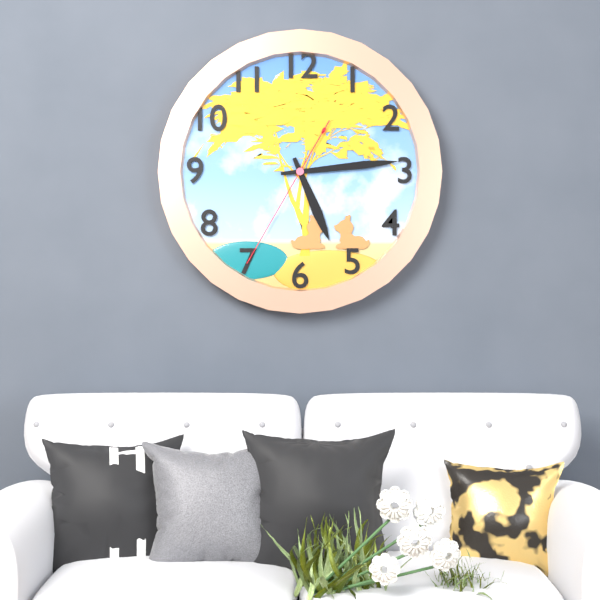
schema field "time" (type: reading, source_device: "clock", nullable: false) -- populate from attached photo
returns 5:14:35
